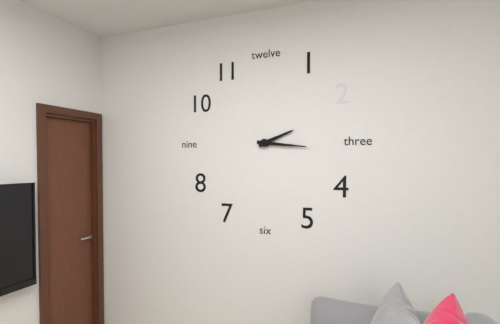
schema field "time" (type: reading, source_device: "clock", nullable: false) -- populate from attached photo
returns 2:16
